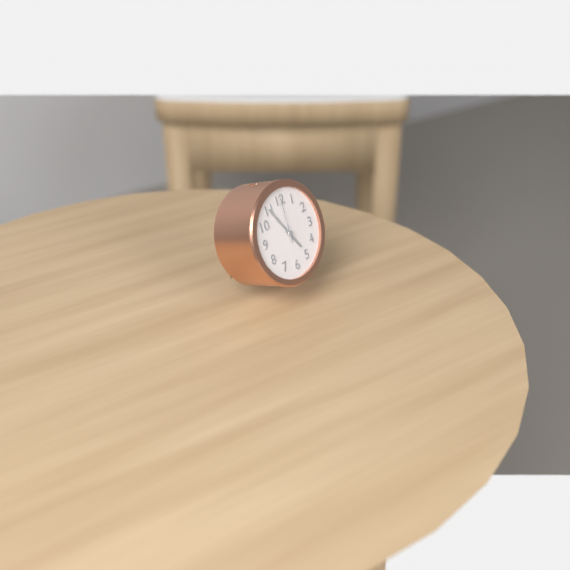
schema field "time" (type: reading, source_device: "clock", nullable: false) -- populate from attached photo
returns 4:55
